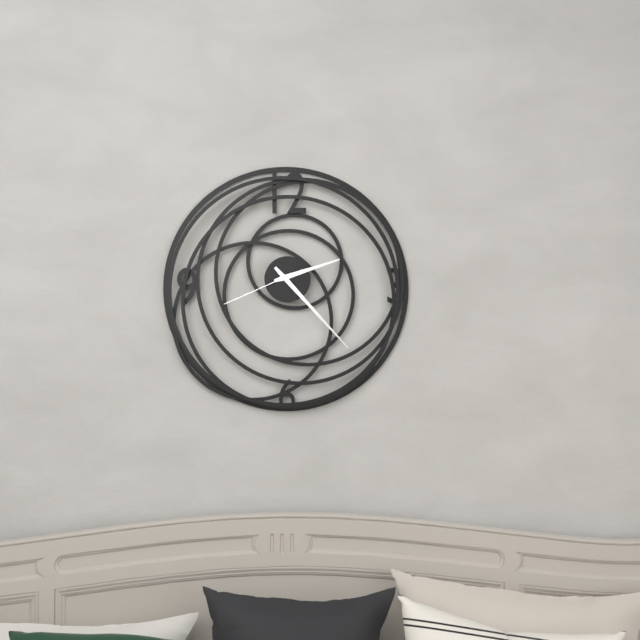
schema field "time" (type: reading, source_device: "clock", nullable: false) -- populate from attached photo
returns 2:23:41
